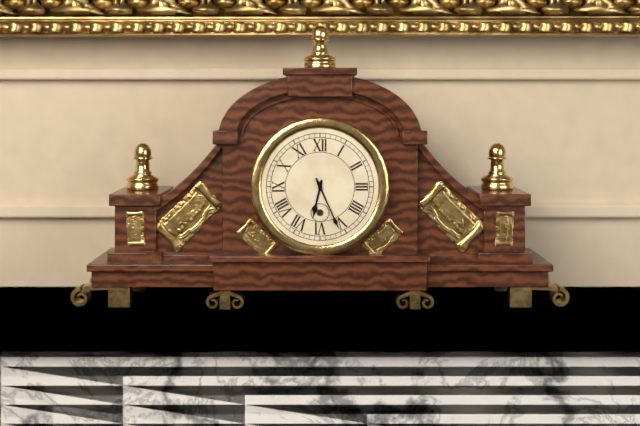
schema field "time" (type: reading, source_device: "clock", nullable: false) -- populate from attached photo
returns 6:26
